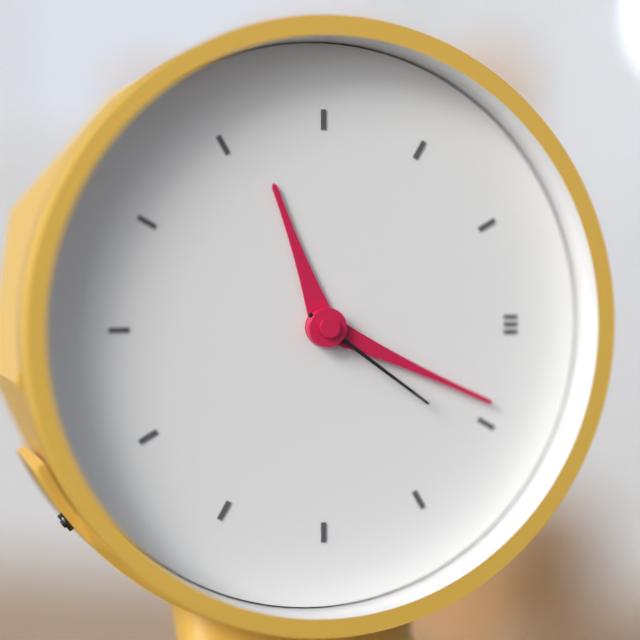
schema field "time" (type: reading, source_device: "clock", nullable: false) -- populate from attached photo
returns 11:19:21
